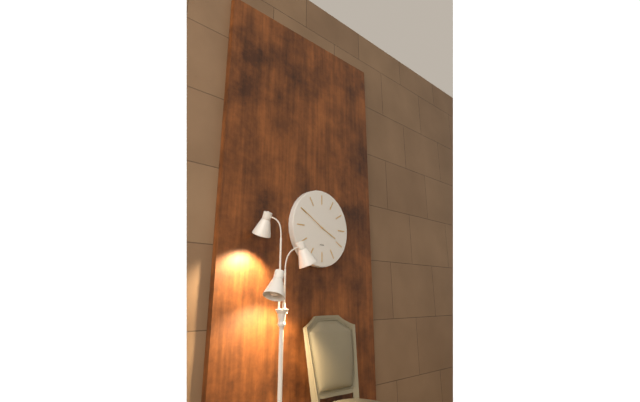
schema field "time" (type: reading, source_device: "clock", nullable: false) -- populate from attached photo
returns 3:50
